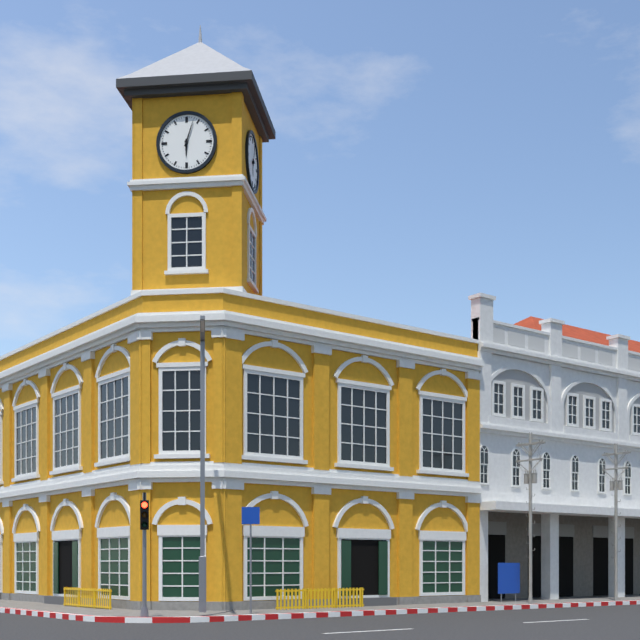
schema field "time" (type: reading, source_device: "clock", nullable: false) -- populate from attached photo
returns 6:03
